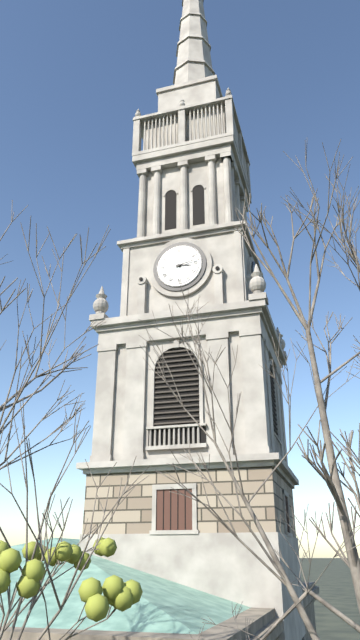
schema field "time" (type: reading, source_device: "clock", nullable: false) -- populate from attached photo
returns 3:13
